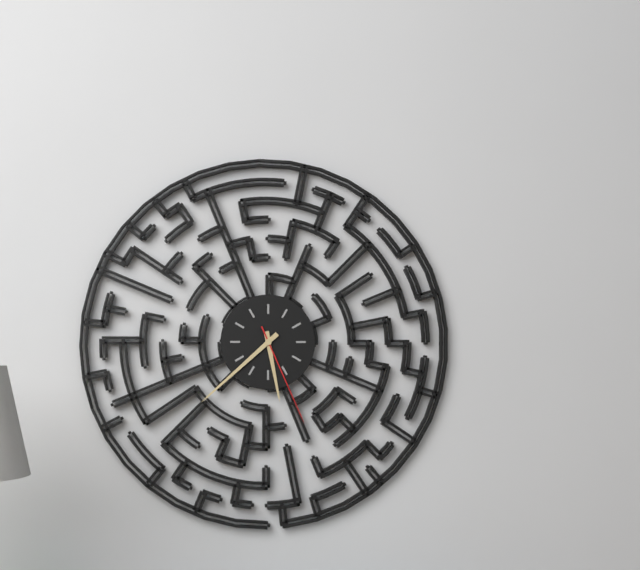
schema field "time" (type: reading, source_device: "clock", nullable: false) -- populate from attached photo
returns 5:38:26
